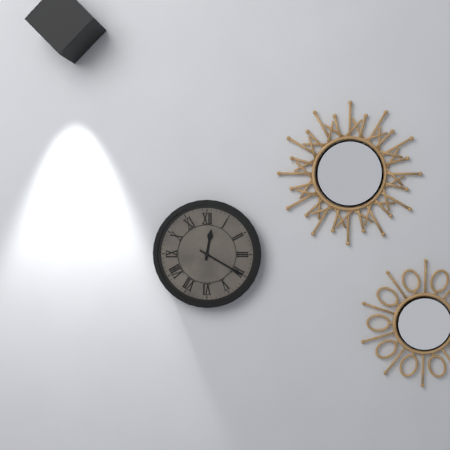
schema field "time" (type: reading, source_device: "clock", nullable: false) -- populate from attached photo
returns 12:20
